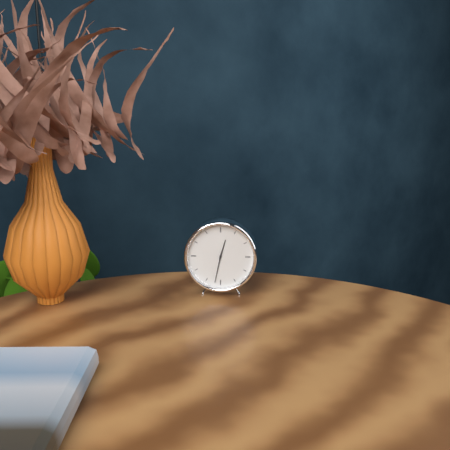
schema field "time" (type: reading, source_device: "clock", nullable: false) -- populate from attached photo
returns 12:32
